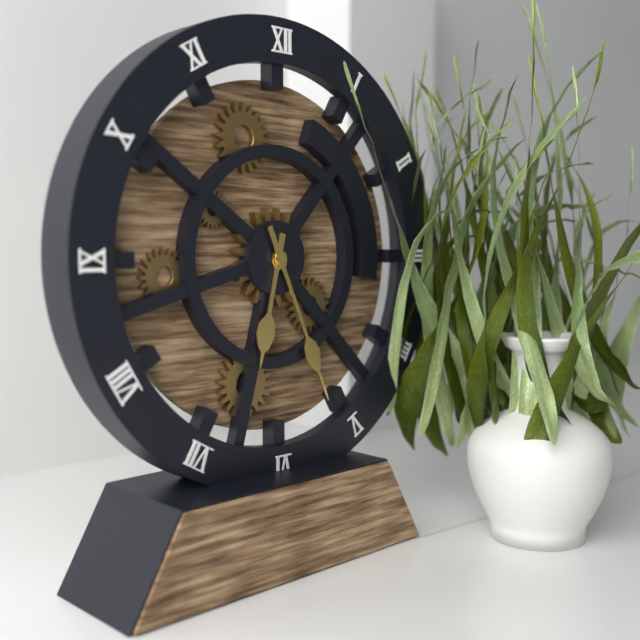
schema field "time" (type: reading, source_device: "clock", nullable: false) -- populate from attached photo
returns 6:26
